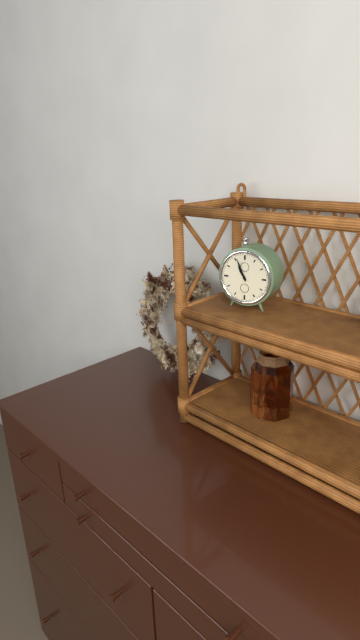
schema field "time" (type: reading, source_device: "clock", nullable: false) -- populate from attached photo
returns 10:56
